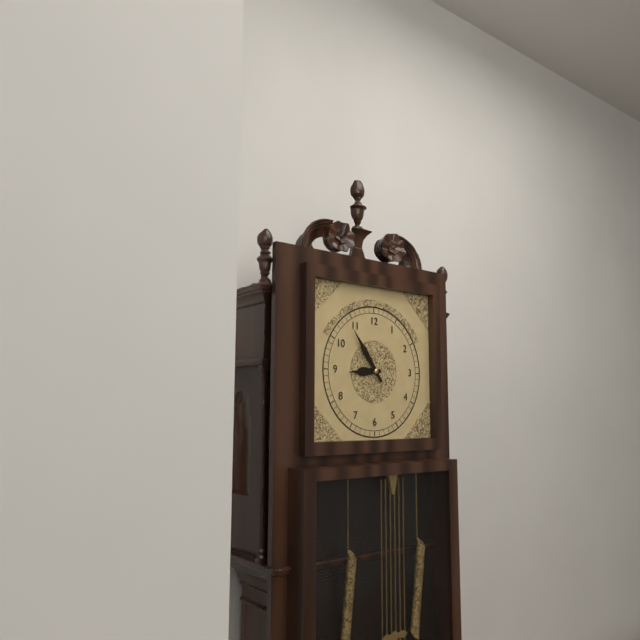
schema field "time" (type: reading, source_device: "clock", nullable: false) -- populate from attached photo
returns 8:54
